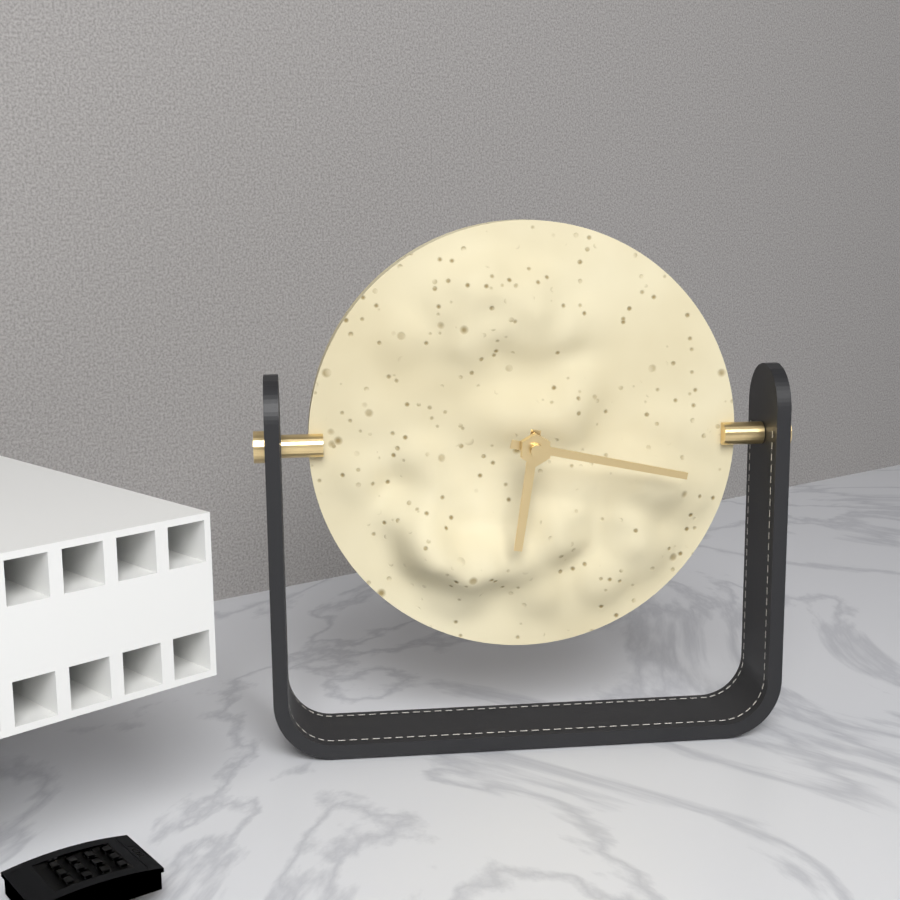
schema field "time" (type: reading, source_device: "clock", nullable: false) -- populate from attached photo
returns 6:17
